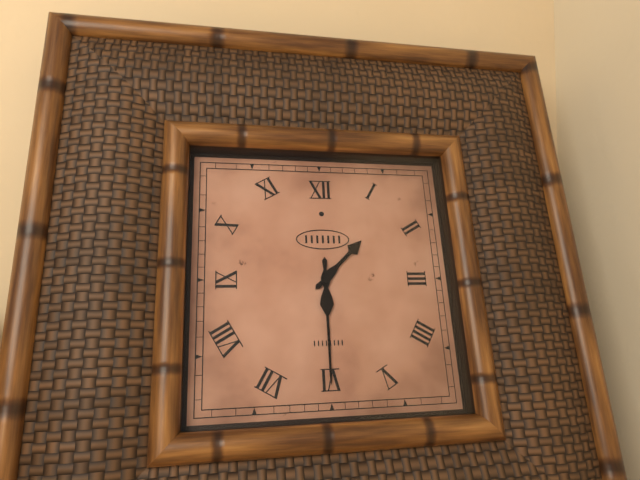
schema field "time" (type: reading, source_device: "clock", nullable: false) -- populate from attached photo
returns 1:30
